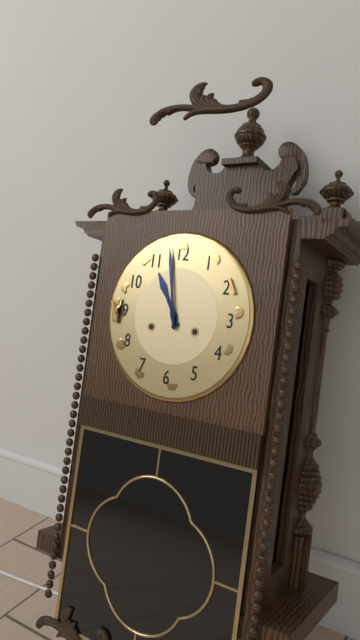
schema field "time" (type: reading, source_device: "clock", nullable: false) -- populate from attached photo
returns 10:58
